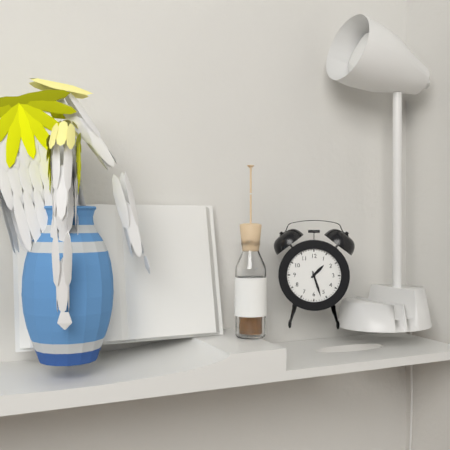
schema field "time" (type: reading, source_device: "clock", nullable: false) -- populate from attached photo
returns 1:27
